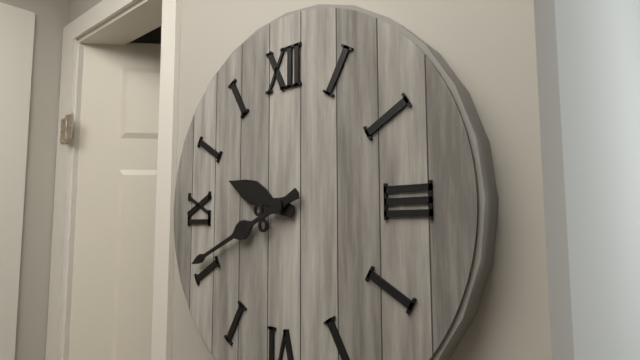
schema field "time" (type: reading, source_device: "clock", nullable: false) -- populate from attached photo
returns 9:41
